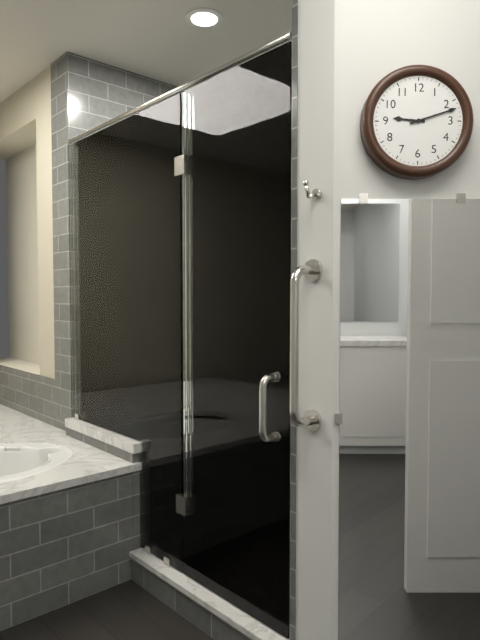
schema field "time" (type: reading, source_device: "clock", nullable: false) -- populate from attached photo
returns 9:12
